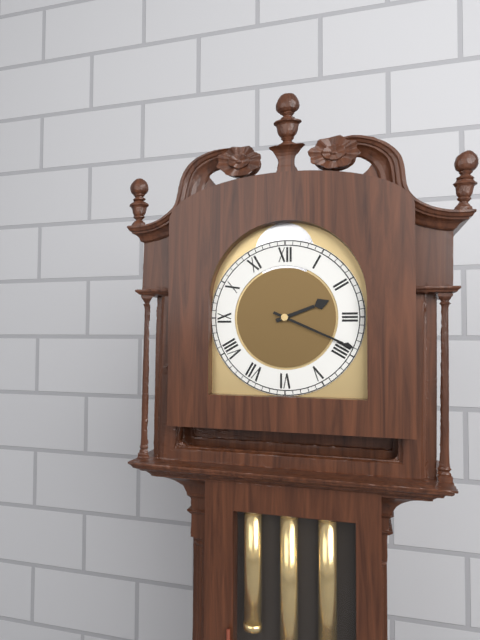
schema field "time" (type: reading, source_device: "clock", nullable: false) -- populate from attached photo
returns 2:19
